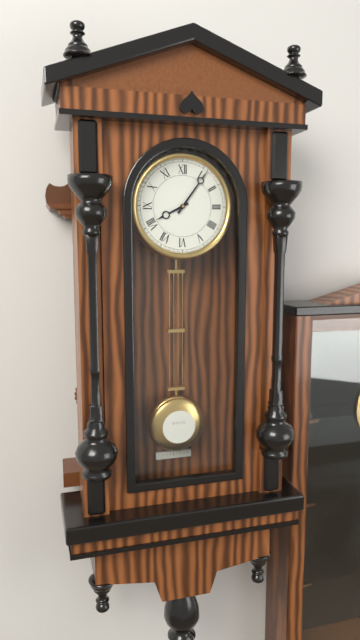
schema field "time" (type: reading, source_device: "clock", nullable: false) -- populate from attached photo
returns 8:06
